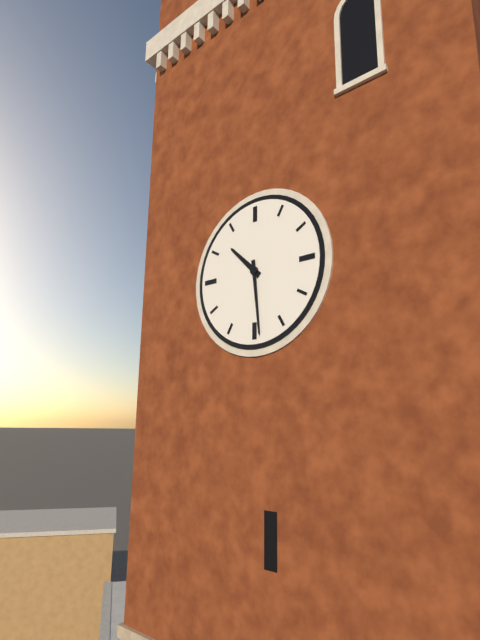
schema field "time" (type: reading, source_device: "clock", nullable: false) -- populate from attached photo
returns 10:29
